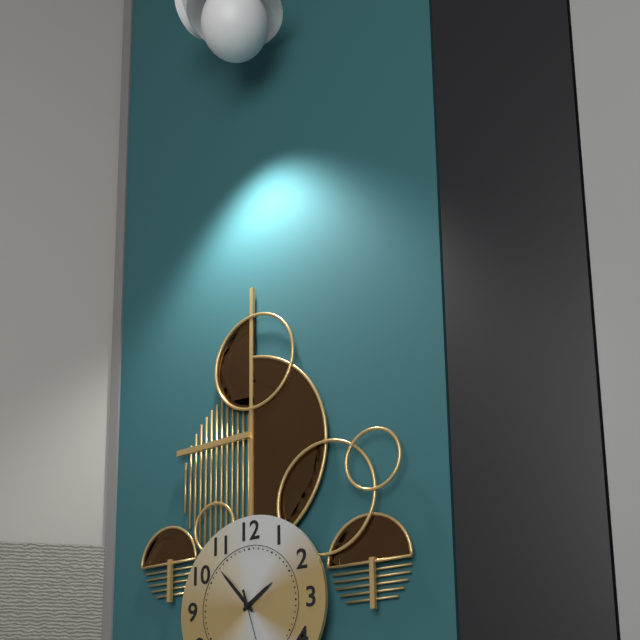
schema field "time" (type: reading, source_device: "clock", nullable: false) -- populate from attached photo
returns 1:53
